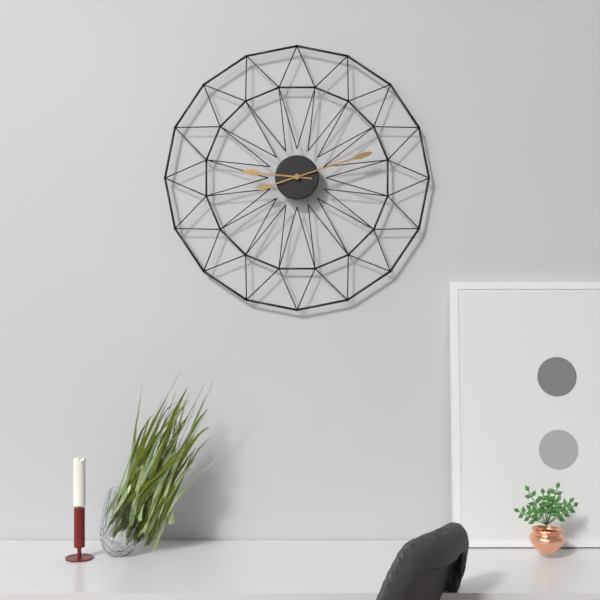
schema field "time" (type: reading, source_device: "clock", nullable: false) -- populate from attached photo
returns 9:12
